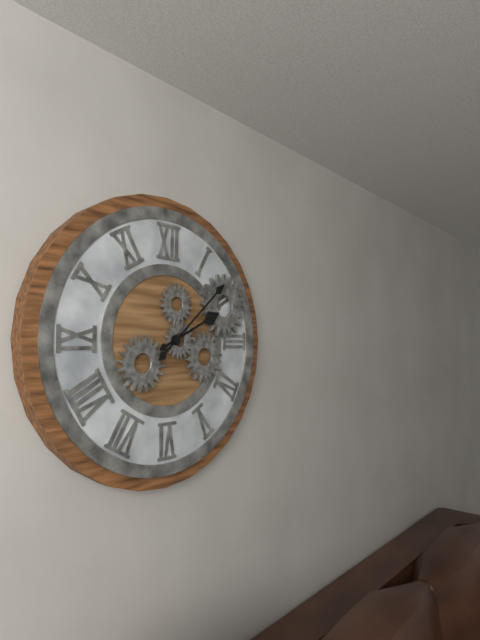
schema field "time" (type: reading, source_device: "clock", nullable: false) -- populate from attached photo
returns 2:08
